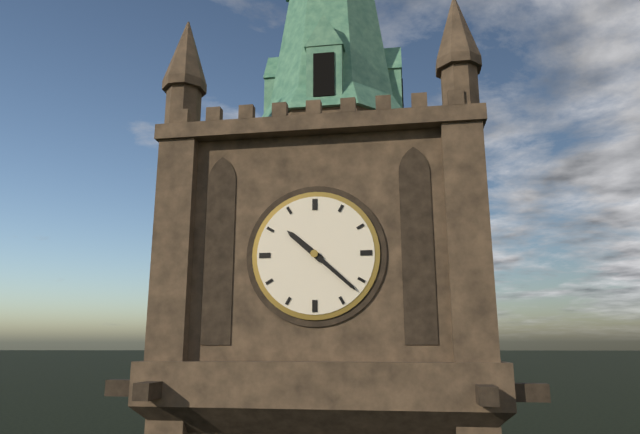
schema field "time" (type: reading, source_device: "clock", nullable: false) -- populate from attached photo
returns 10:22
